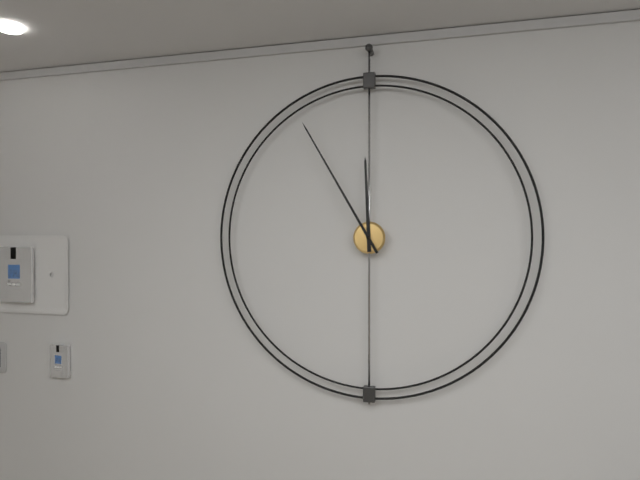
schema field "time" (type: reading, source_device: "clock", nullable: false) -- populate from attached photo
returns 11:55
